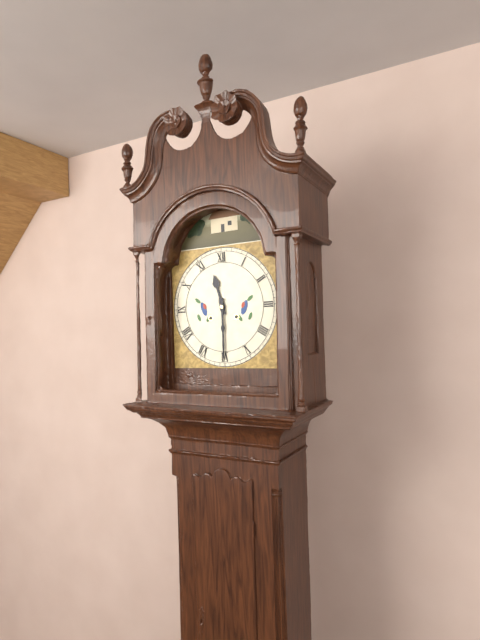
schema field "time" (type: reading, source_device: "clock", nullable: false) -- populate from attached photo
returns 11:30
